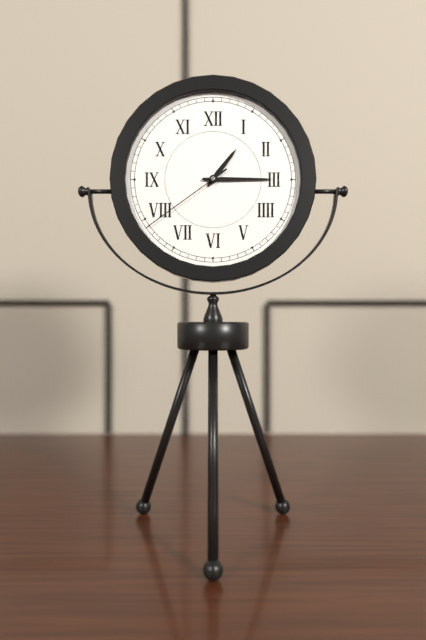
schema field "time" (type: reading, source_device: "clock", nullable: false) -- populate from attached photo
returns 1:15:39
